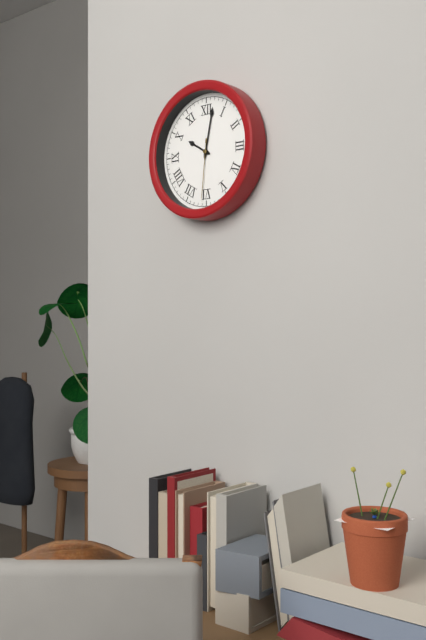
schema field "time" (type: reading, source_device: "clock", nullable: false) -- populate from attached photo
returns 10:02:31
